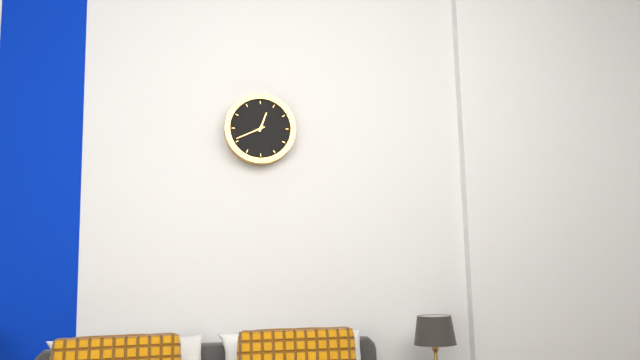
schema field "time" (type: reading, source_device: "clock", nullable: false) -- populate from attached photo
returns 12:41
